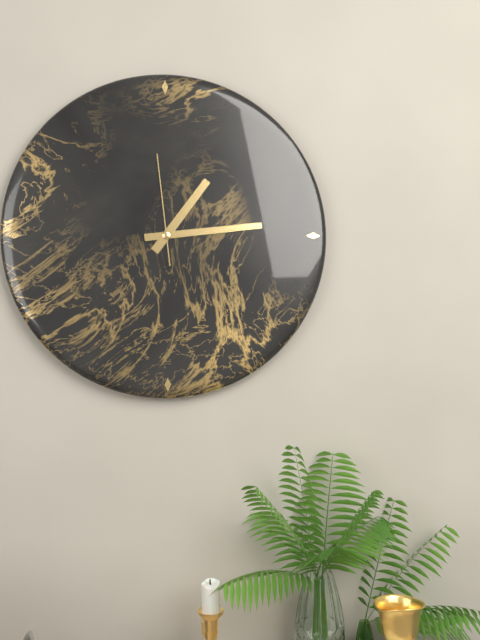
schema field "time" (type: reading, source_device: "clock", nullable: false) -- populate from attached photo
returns 1:14:59
